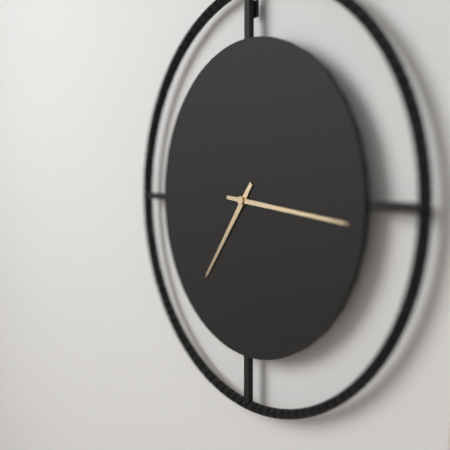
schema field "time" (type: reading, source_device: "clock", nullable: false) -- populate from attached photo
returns 7:16
